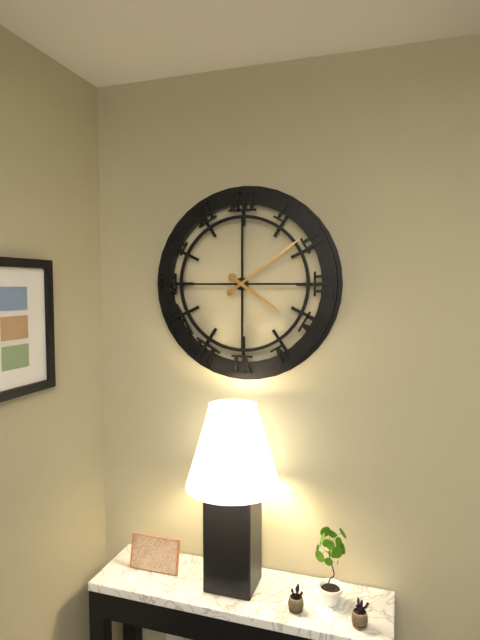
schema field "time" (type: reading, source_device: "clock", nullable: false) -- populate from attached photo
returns 4:09
